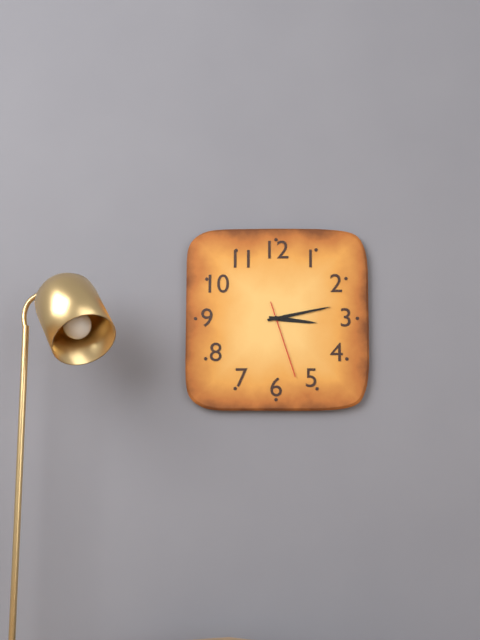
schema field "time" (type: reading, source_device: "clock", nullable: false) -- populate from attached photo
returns 3:13:27
